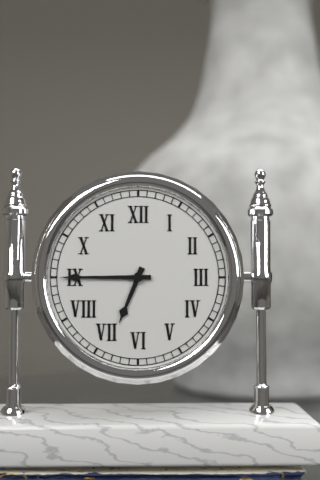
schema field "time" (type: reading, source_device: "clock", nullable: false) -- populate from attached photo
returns 6:45
